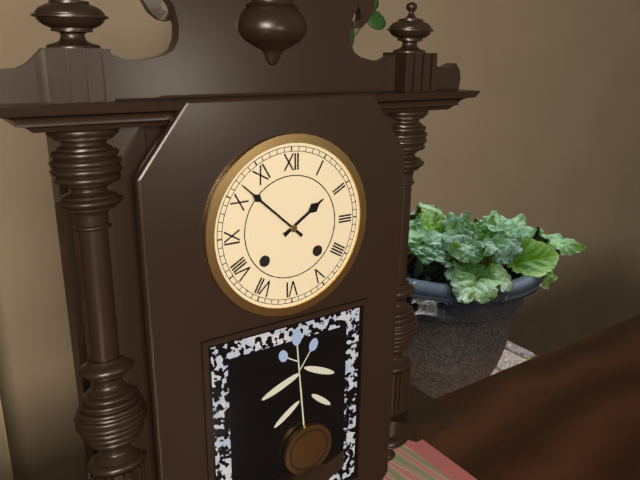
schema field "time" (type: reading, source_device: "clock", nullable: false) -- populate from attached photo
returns 1:52
